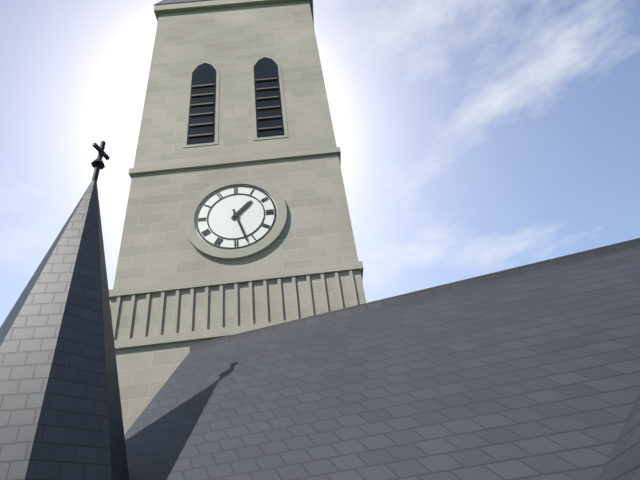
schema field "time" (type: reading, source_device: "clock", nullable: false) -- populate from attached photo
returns 1:27
